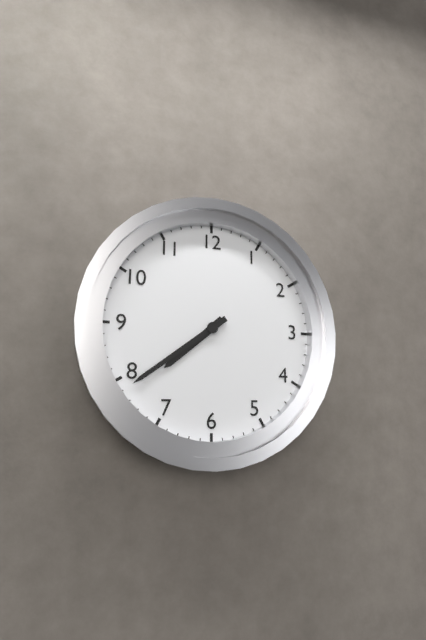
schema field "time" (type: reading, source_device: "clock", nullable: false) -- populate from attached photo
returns 7:39
